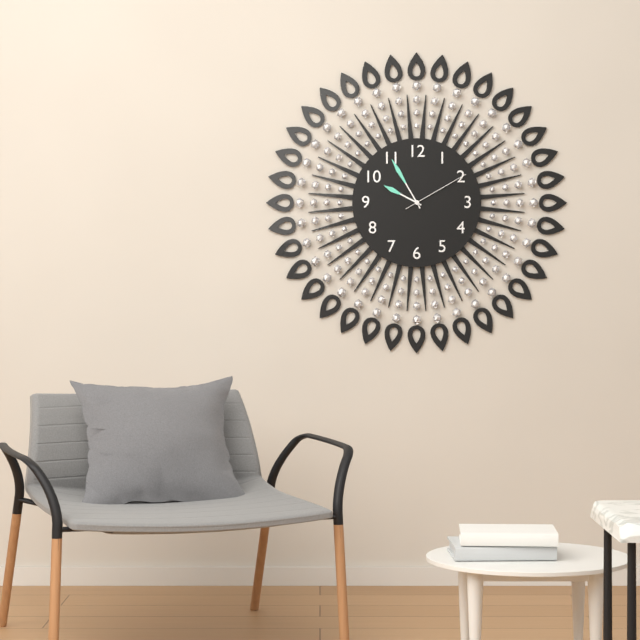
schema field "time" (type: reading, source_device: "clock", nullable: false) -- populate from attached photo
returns 9:55:10
